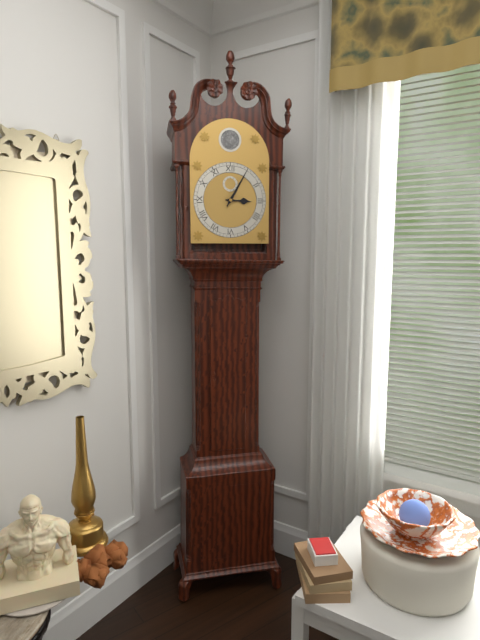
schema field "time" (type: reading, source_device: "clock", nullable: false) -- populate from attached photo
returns 3:05
